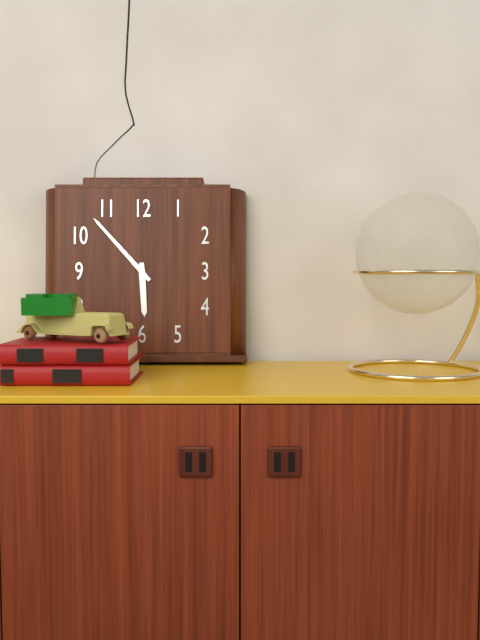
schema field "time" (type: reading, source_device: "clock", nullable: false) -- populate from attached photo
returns 5:53
